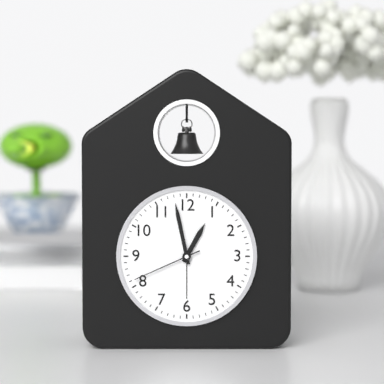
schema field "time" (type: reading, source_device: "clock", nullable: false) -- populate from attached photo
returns 12:58:41
